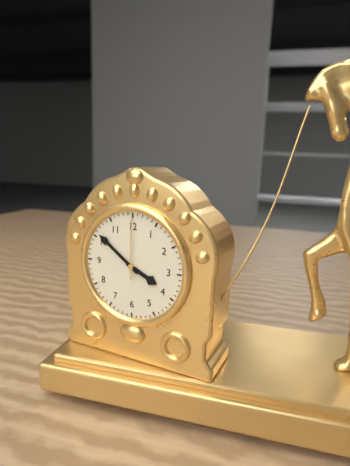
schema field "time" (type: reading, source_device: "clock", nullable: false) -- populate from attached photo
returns 3:51:00
